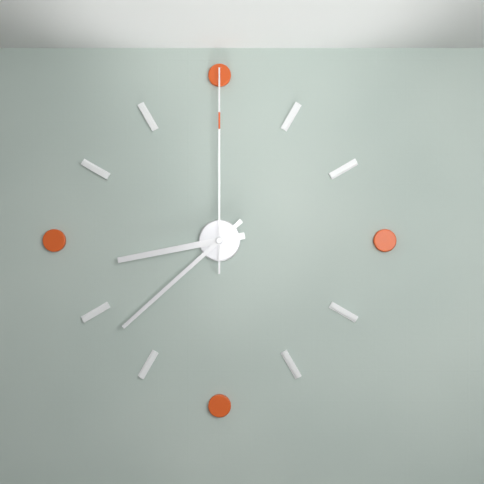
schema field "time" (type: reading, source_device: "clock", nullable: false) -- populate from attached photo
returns 8:38:00
